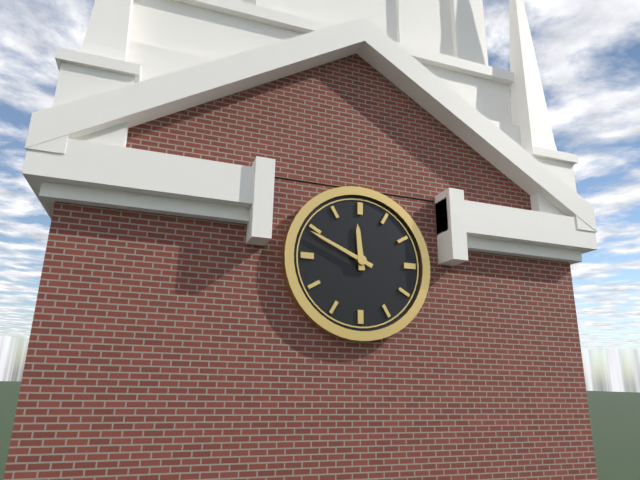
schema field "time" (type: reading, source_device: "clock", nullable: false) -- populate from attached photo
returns 11:49
